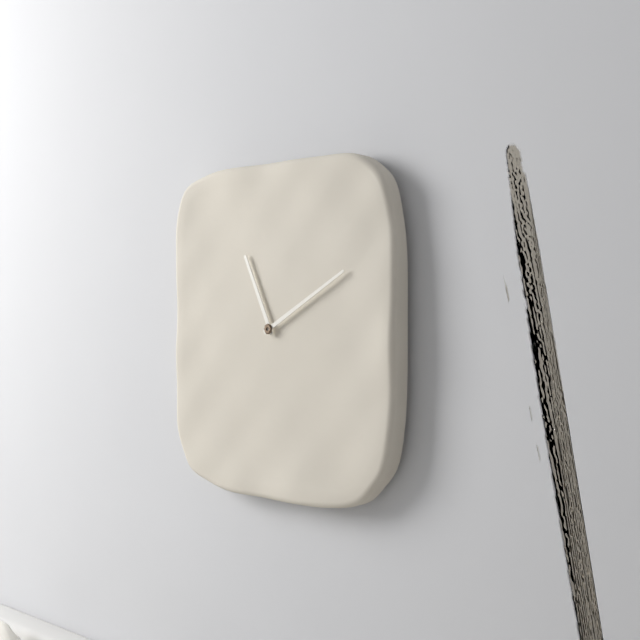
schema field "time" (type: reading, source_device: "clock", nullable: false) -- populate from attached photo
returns 11:10
